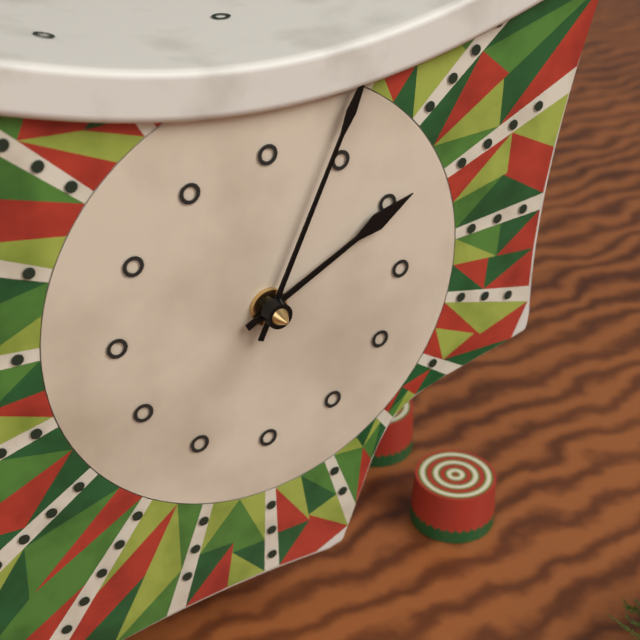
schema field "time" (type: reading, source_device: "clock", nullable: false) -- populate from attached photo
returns 2:04
